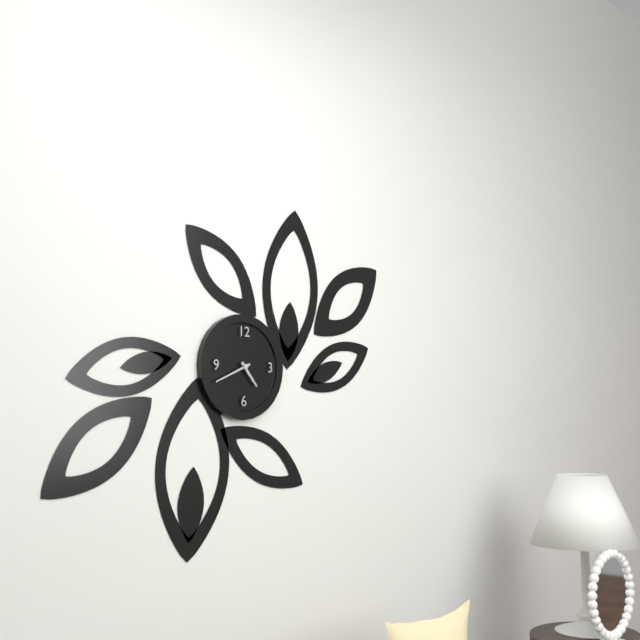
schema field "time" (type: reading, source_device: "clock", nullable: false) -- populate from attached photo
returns 4:41
